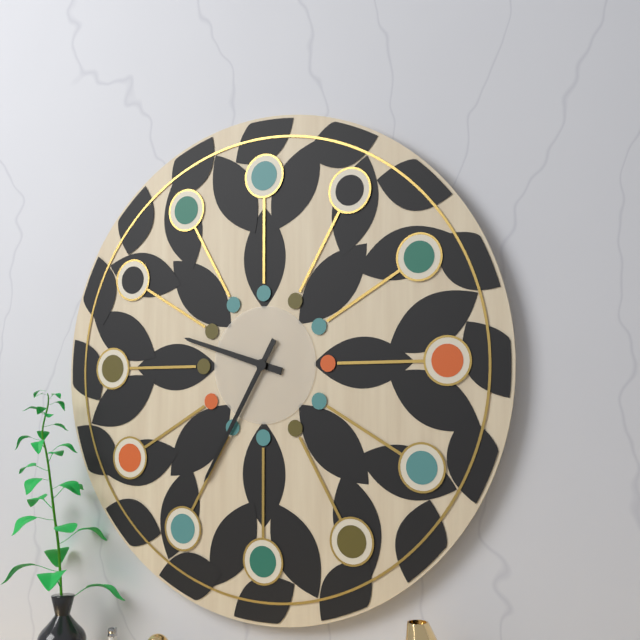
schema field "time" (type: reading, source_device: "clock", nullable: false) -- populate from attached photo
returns 9:35
